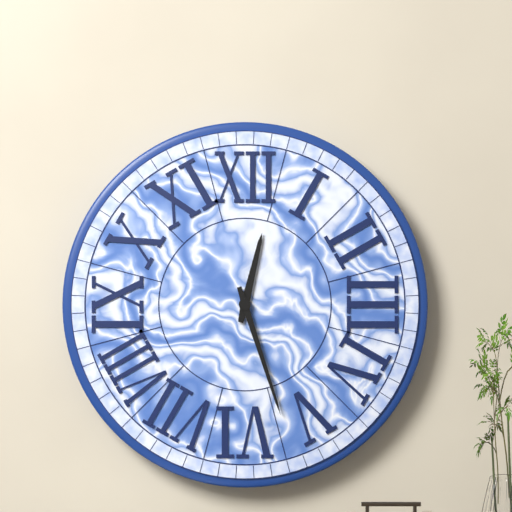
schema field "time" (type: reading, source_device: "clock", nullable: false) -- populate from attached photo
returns 12:27
